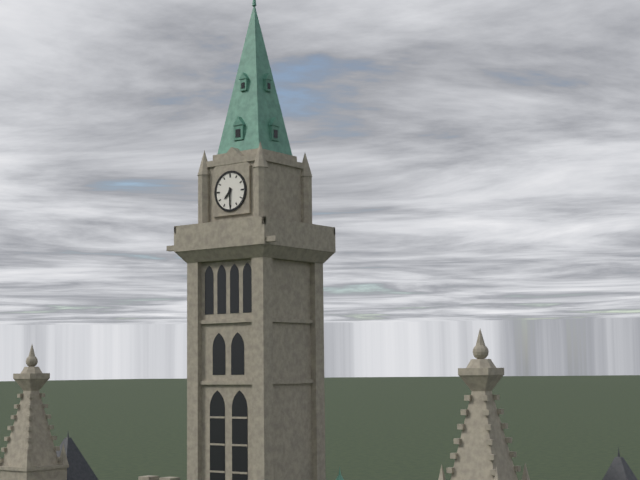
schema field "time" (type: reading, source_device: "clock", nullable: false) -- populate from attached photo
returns 7:30
